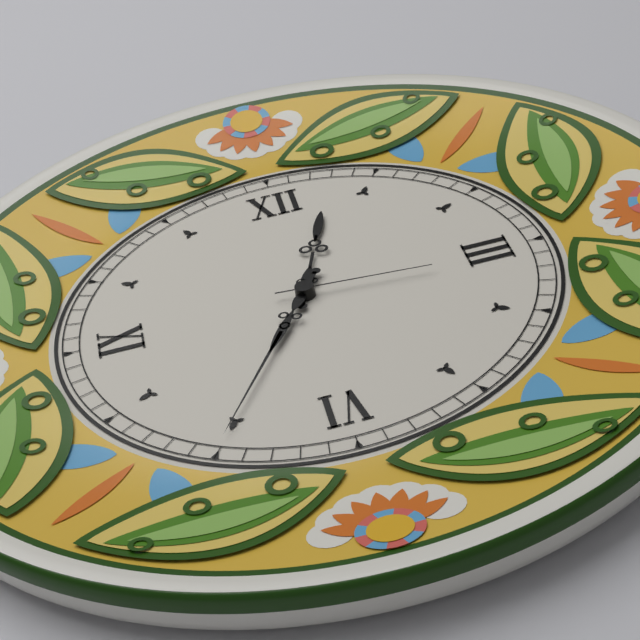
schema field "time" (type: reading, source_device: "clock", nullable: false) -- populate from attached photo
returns 12:35:16
